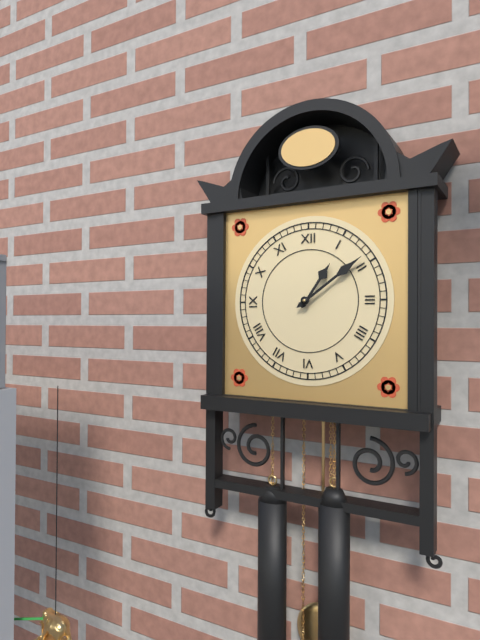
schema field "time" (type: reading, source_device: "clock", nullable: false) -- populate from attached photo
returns 1:09
